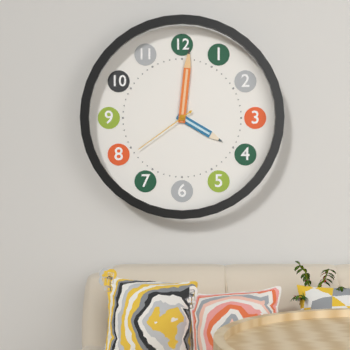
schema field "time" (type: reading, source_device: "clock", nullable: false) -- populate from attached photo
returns 4:01:39
